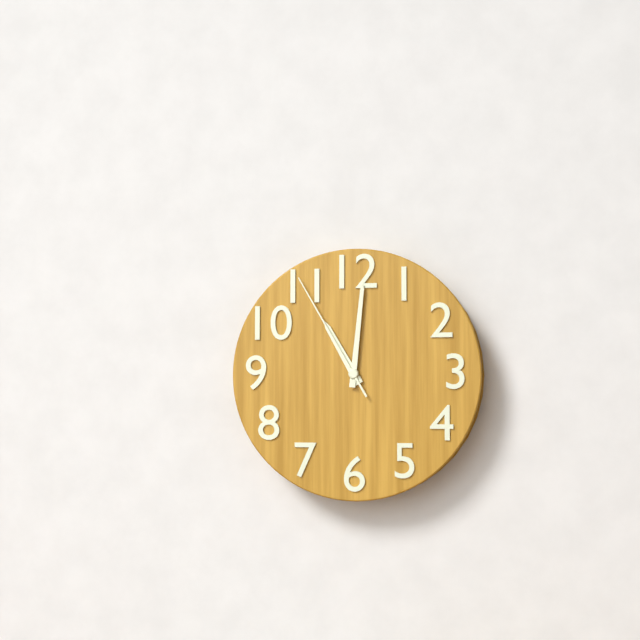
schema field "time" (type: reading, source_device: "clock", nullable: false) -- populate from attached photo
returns 11:01:55
